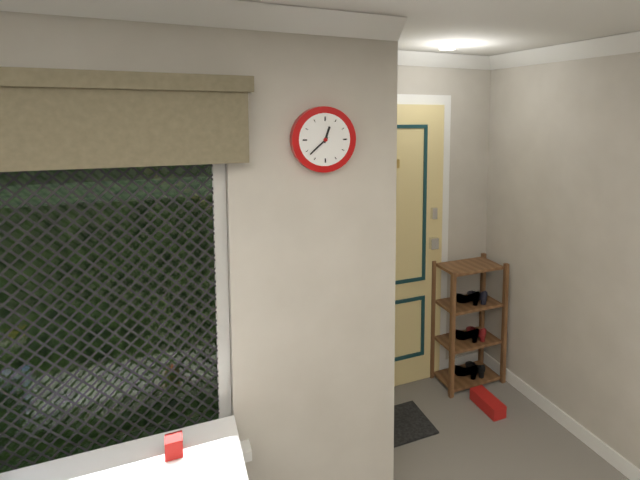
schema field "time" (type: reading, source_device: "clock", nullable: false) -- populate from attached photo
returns 12:38
